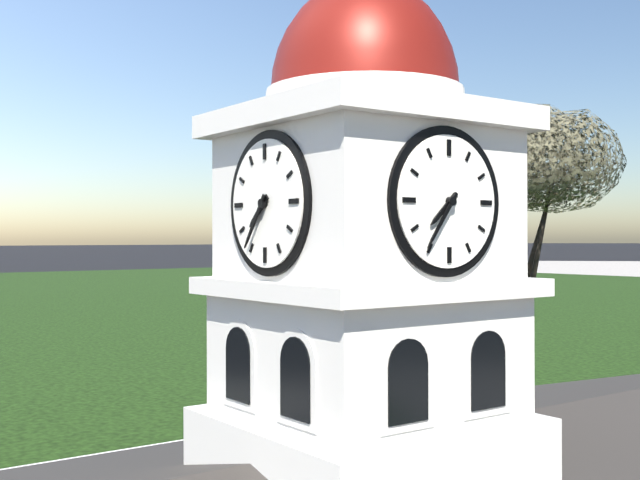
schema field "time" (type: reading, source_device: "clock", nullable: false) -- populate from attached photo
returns 7:36
